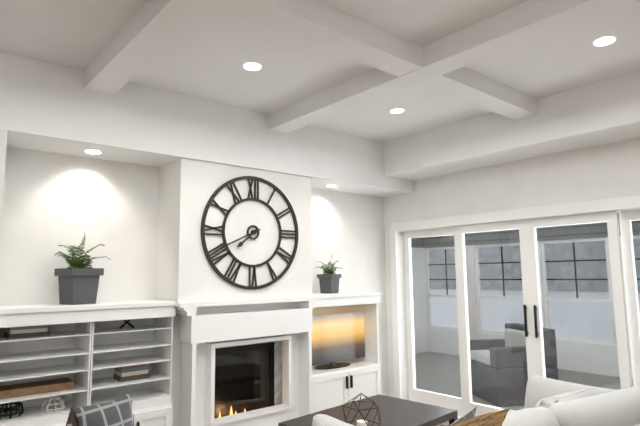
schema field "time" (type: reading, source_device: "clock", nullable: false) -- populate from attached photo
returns 7:41
